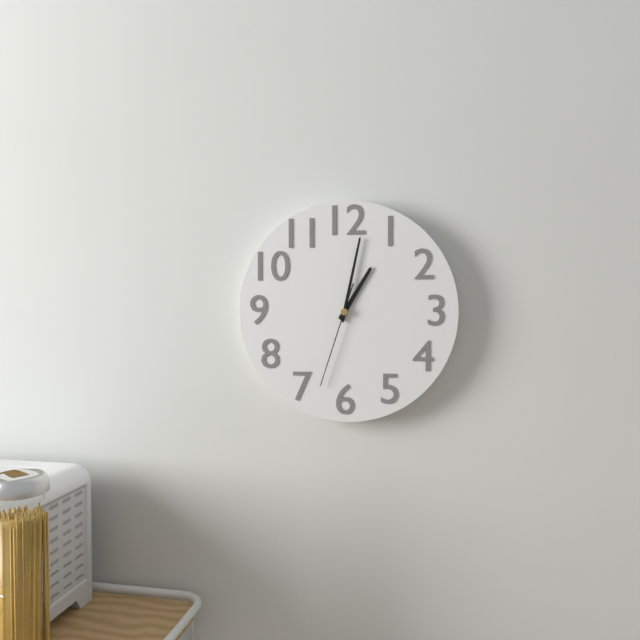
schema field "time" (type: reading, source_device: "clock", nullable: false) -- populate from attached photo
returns 1:02:33
